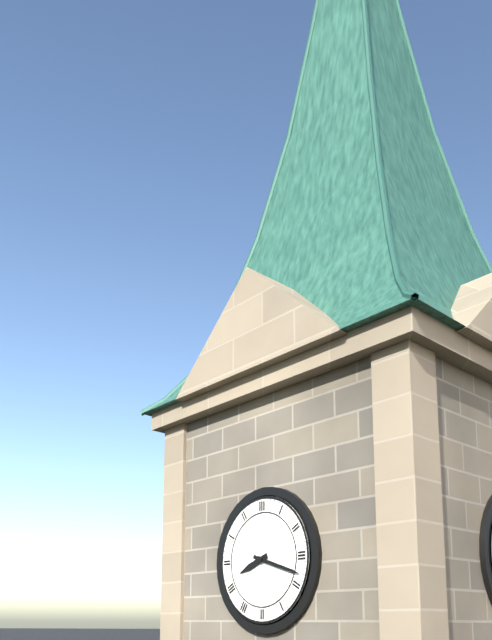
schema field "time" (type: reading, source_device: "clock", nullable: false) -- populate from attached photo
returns 8:18
